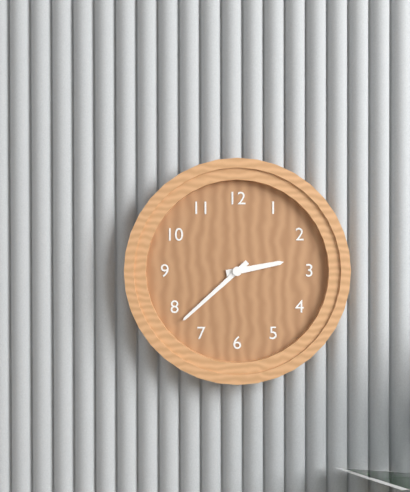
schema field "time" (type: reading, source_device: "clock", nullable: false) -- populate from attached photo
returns 2:38
